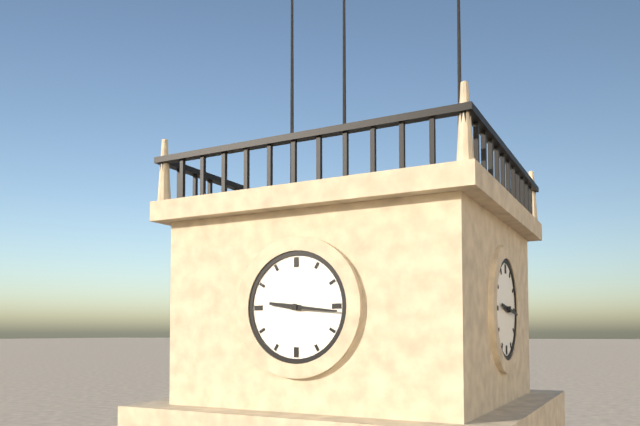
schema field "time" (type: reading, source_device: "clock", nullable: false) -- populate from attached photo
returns 9:16
